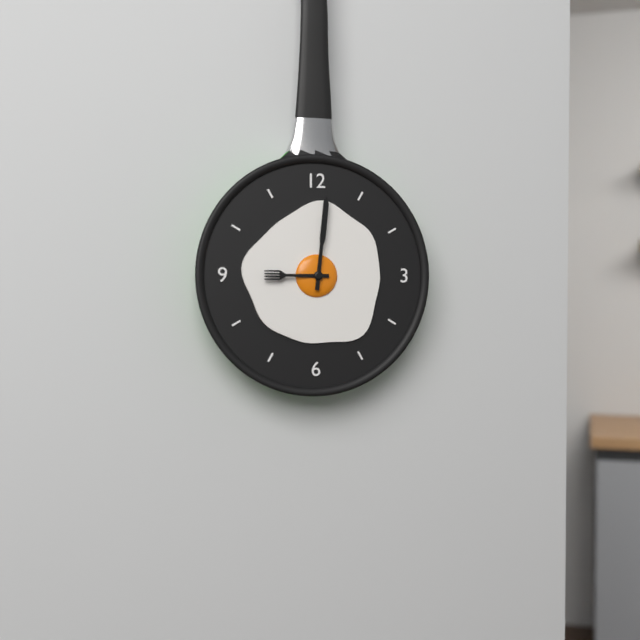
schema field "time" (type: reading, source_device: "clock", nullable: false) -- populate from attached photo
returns 9:01
